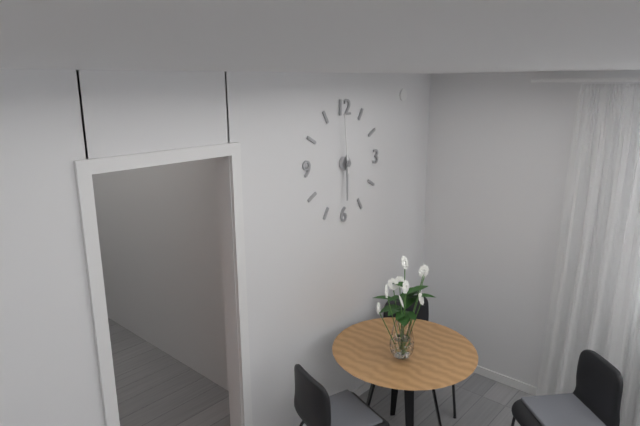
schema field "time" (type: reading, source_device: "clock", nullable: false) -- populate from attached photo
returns 5:59
